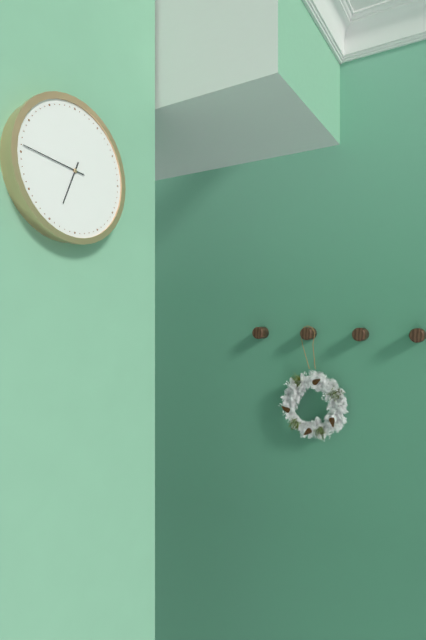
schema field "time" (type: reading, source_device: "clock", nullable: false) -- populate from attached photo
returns 6:46
